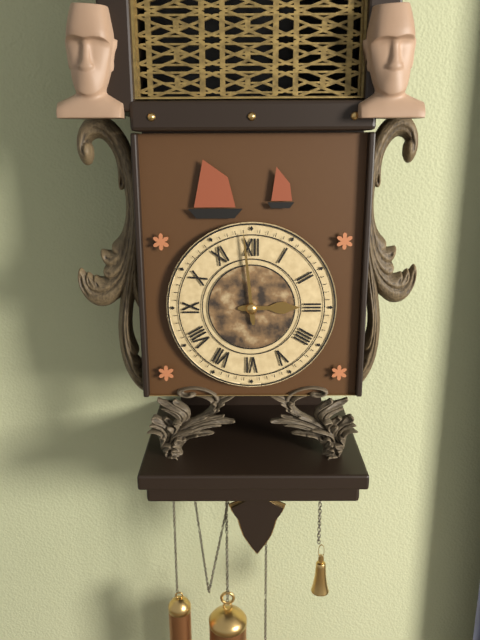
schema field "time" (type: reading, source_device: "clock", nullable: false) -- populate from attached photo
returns 2:59
